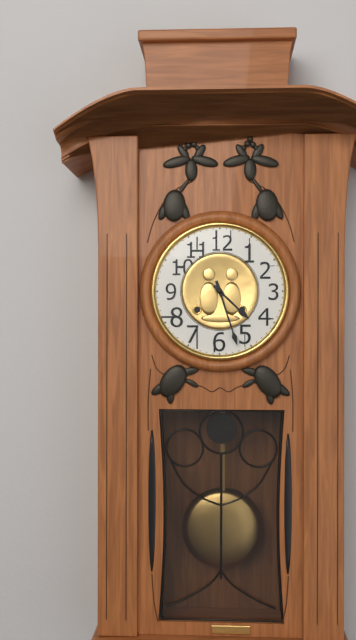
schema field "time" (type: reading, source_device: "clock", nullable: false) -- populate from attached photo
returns 4:27
